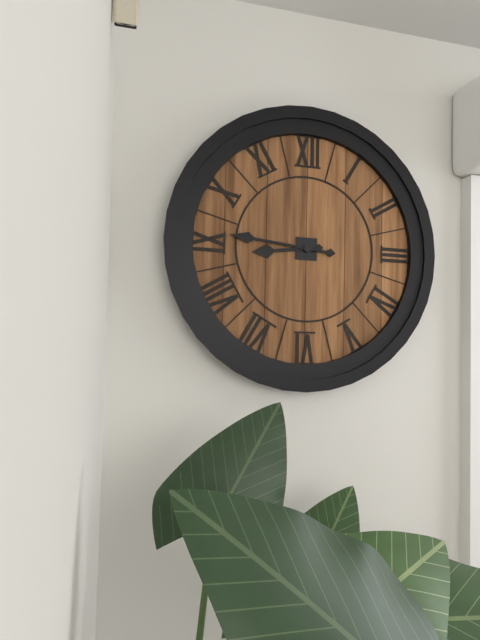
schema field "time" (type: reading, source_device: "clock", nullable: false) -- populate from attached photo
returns 8:46
